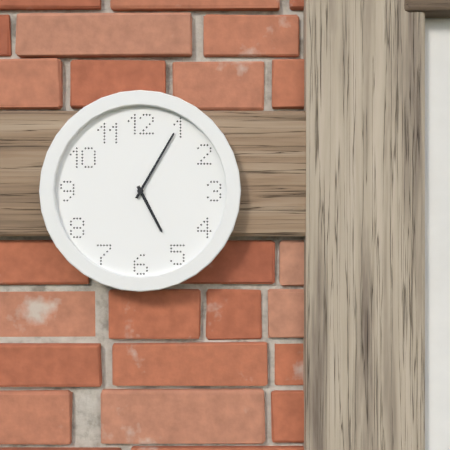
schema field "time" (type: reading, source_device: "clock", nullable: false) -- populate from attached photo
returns 5:05
